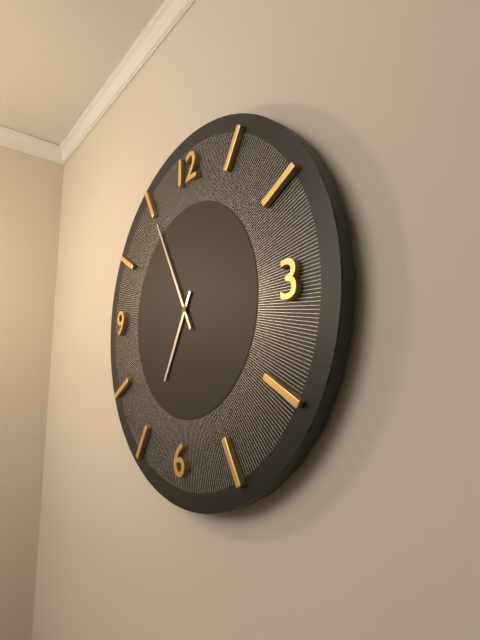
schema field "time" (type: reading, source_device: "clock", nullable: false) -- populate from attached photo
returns 6:55
